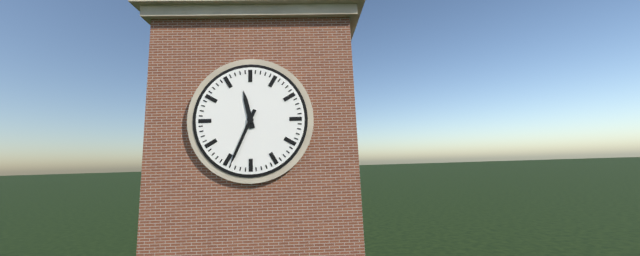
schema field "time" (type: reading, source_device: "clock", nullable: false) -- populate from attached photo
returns 11:34
